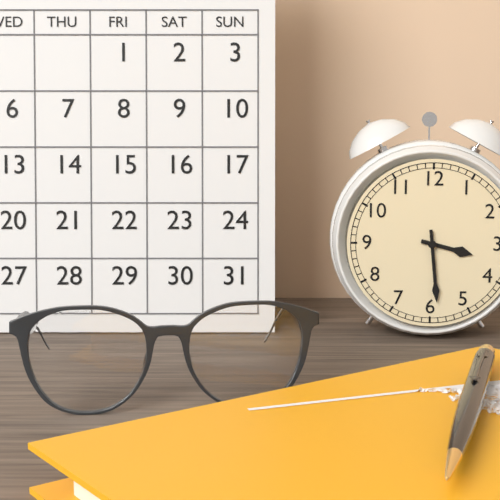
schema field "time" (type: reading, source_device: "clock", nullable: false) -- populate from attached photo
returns 3:29
